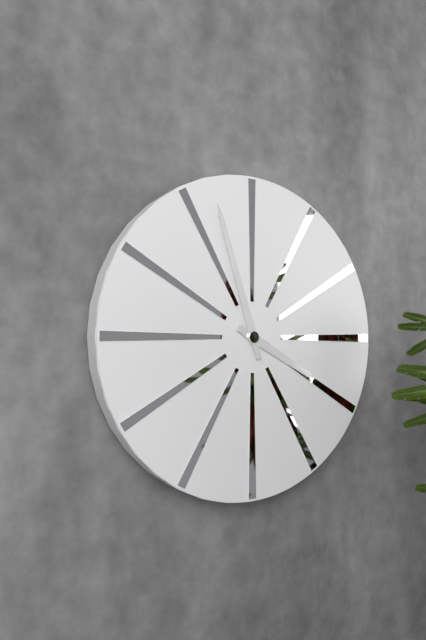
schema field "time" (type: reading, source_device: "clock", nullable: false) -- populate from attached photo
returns 3:57
